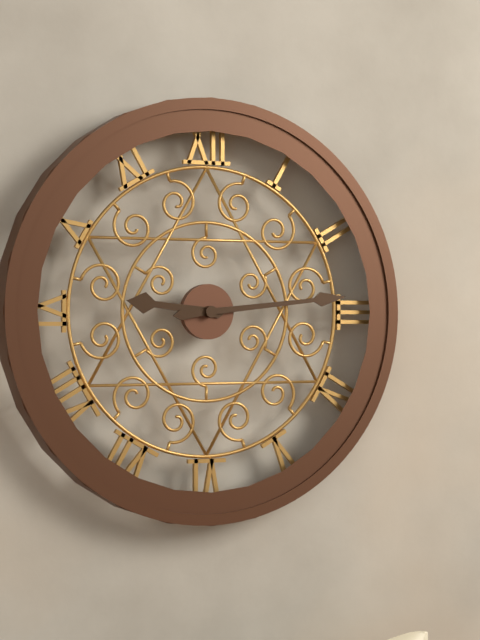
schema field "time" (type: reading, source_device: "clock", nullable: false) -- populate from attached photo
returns 9:14
